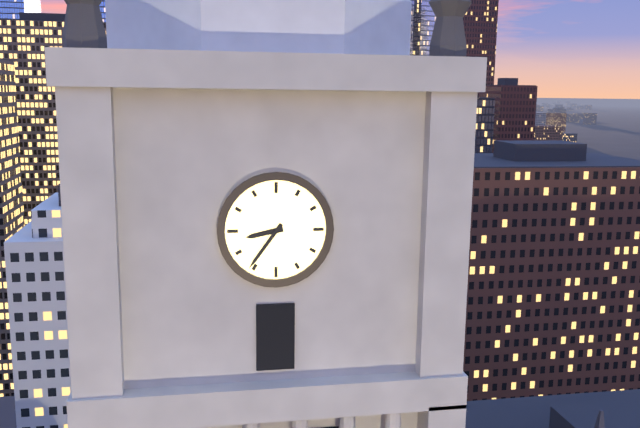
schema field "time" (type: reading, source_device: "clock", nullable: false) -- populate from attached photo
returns 8:36
